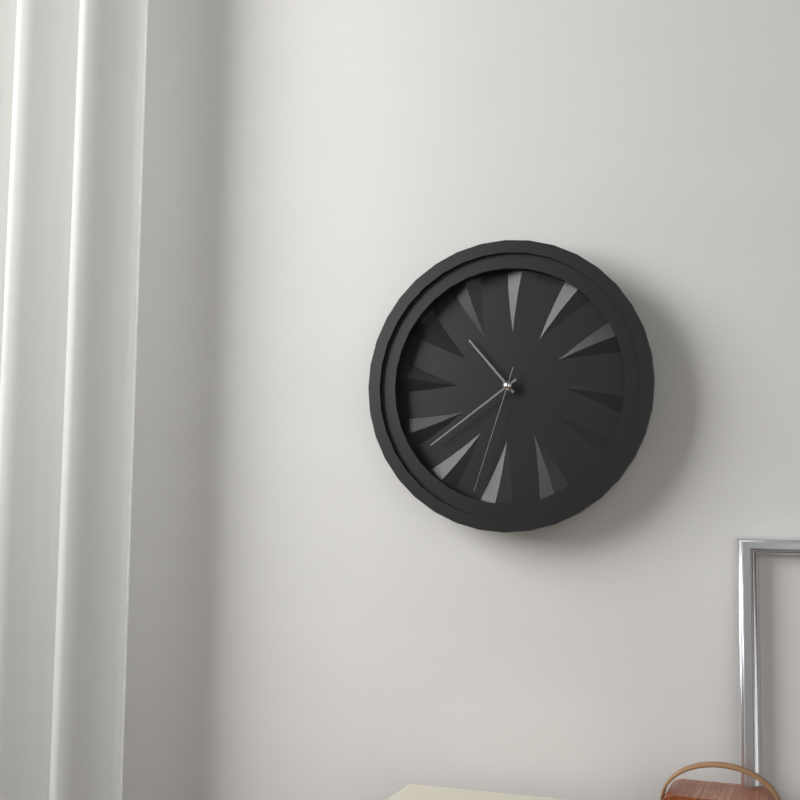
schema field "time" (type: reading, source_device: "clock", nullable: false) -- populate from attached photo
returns 10:39:33
